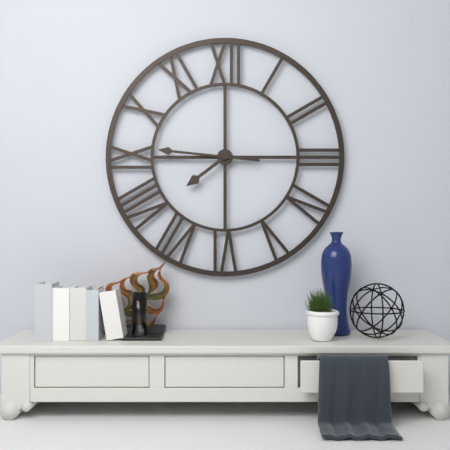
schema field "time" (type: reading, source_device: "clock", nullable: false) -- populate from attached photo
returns 7:46
